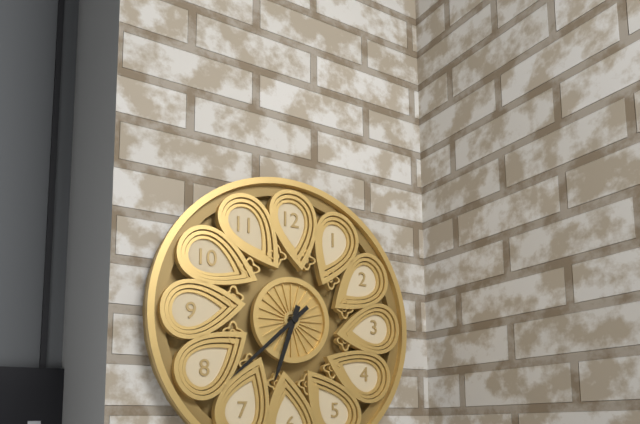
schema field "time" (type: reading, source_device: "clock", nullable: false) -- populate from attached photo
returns 6:38
